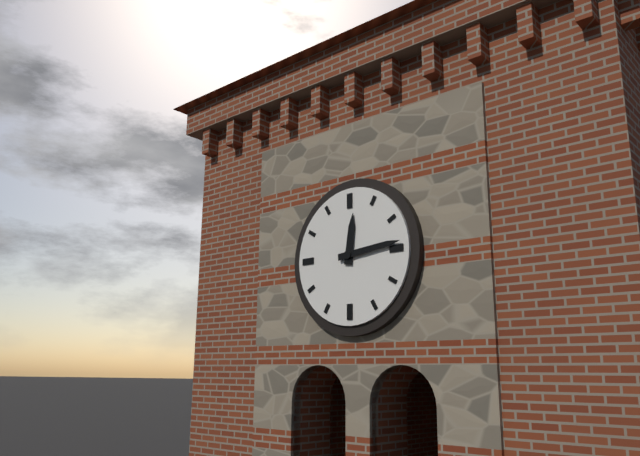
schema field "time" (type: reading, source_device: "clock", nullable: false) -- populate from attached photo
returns 12:14
